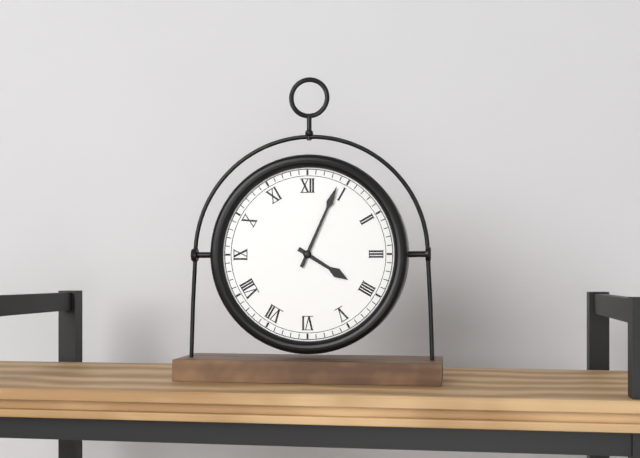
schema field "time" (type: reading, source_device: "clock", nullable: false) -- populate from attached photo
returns 4:04
